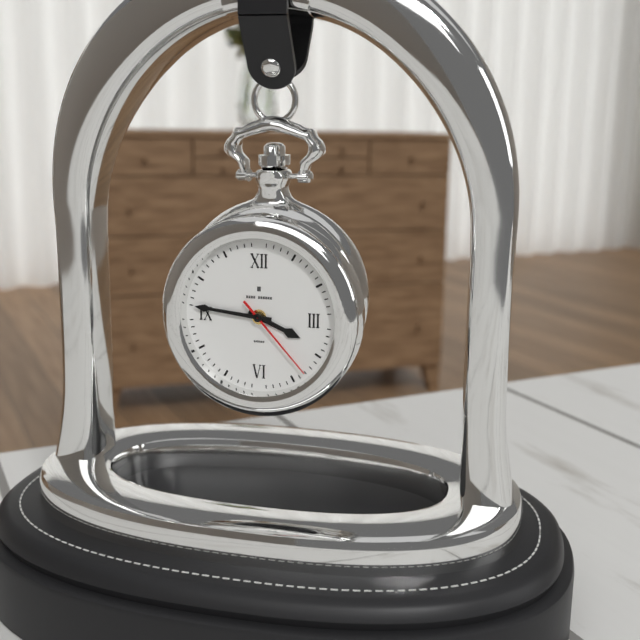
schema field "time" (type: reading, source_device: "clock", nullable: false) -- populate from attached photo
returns 3:46:23
